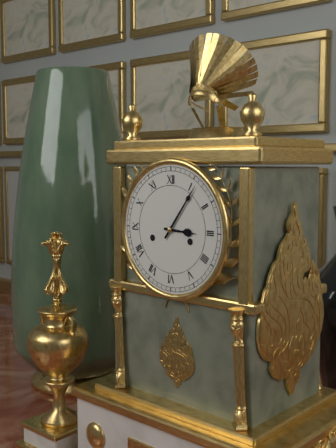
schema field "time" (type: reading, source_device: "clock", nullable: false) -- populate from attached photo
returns 3:06
